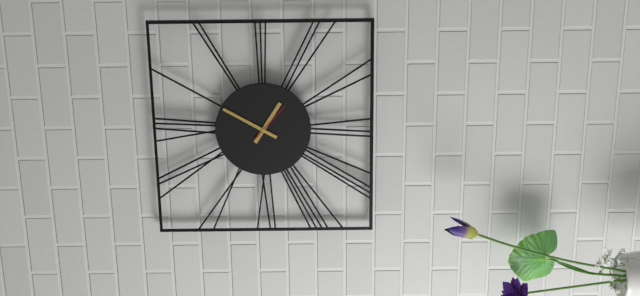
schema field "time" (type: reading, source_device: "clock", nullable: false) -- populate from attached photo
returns 4:05
